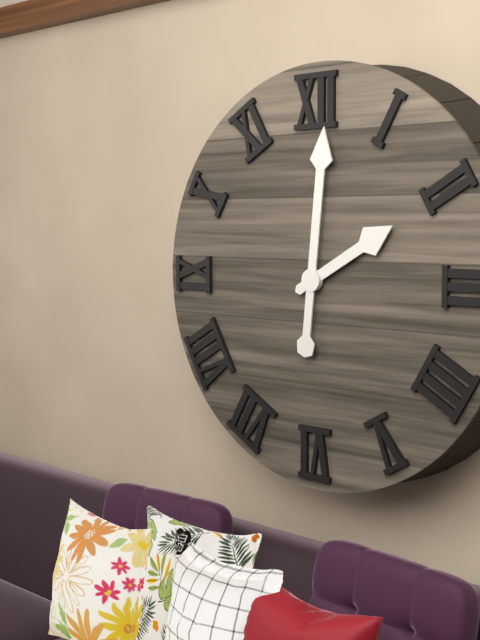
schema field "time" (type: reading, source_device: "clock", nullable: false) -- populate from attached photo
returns 2:01
